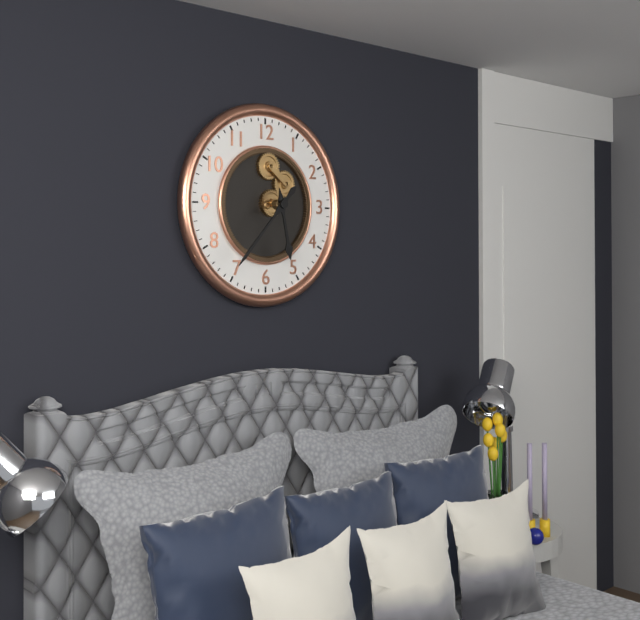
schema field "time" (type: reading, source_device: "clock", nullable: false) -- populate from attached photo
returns 5:37
